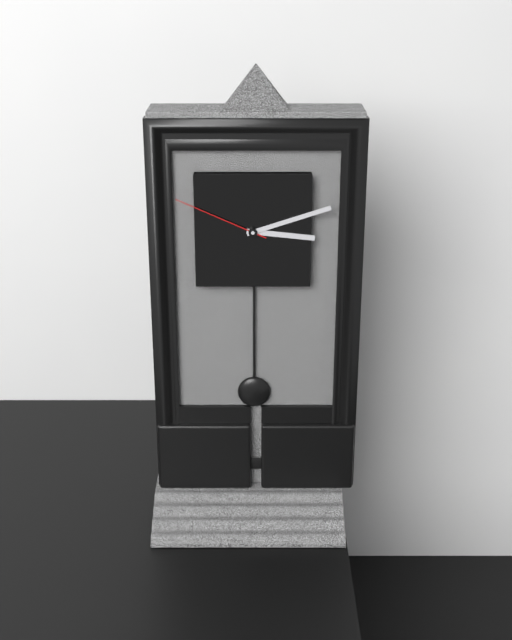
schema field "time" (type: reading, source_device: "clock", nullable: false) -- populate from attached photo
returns 3:12:49
